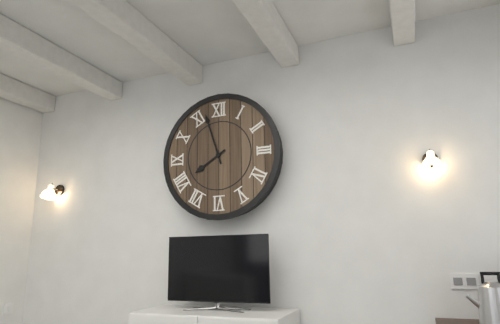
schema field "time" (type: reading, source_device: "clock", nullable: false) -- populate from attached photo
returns 7:57
